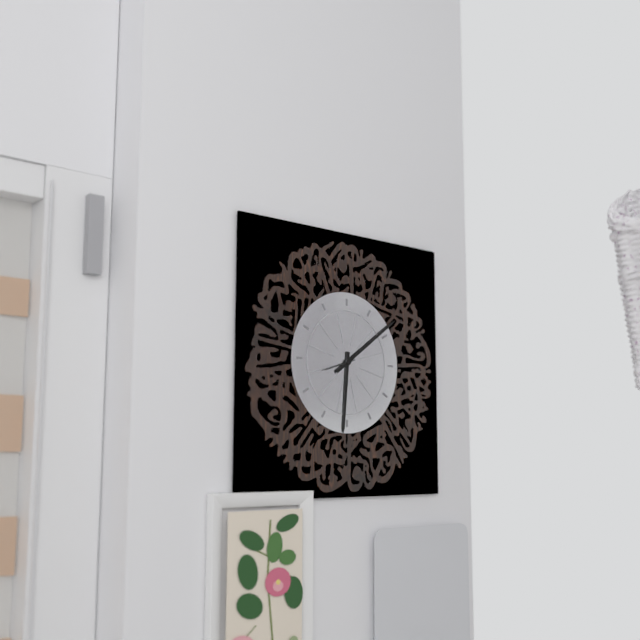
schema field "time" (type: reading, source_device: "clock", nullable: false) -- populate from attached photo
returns 6:09
